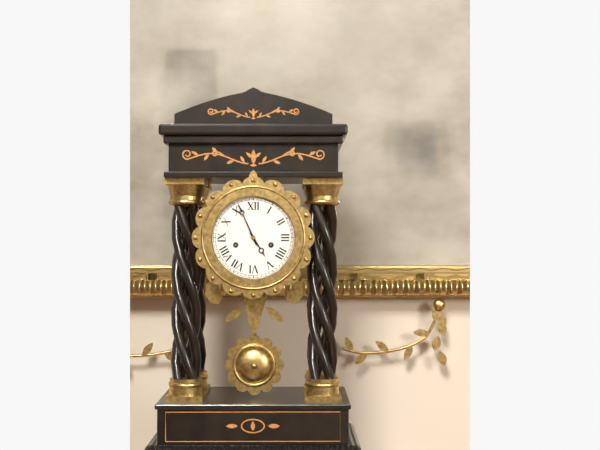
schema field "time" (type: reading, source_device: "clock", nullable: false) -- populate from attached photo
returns 4:56
